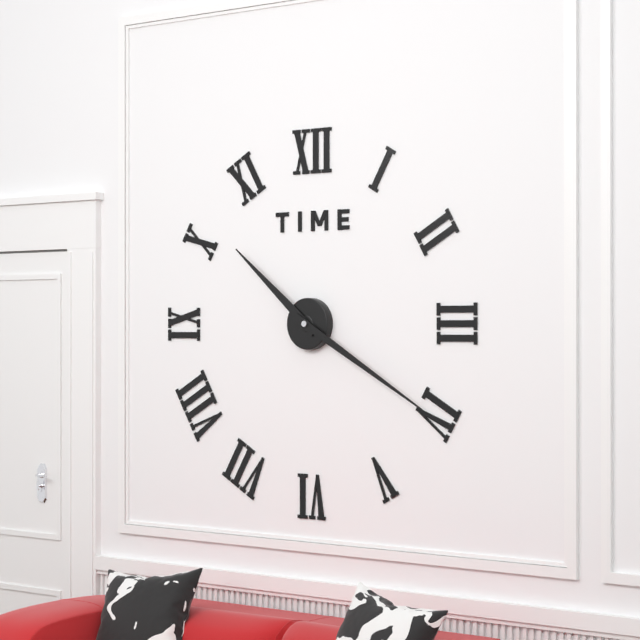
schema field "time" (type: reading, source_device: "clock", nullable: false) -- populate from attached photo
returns 10:20
